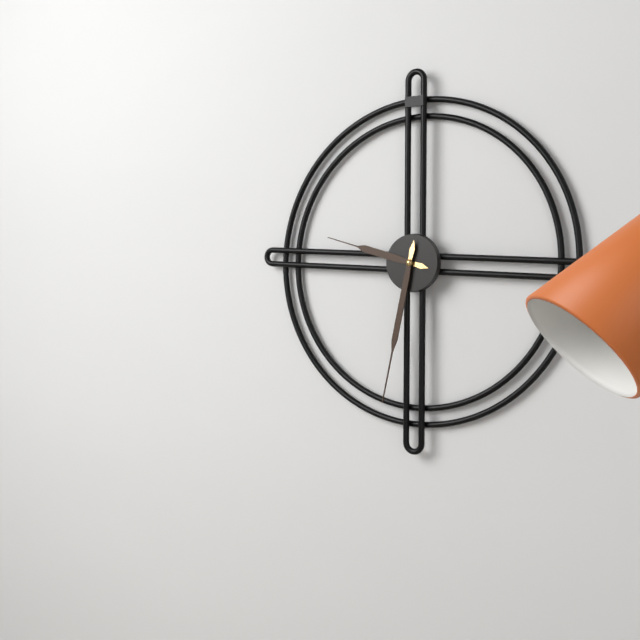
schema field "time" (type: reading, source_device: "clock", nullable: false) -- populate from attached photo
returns 9:32
